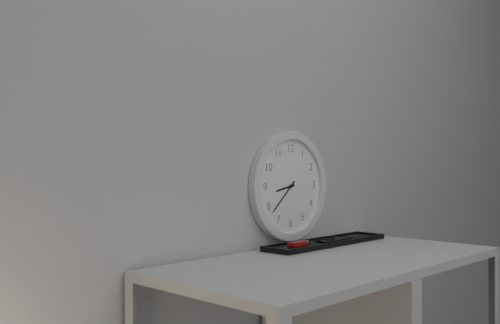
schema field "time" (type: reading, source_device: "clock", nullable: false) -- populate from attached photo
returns 8:38
